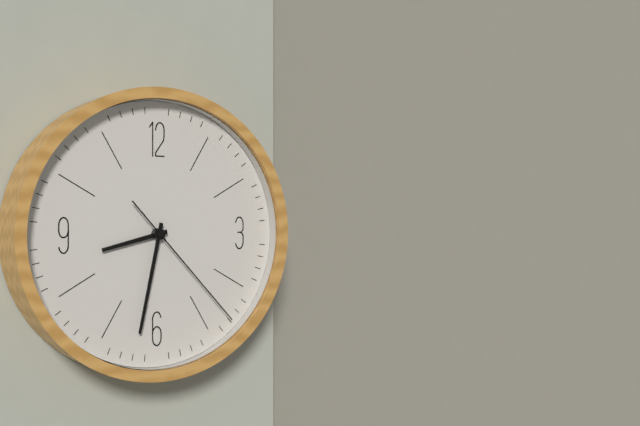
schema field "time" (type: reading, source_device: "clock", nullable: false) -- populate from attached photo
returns 8:32:23
